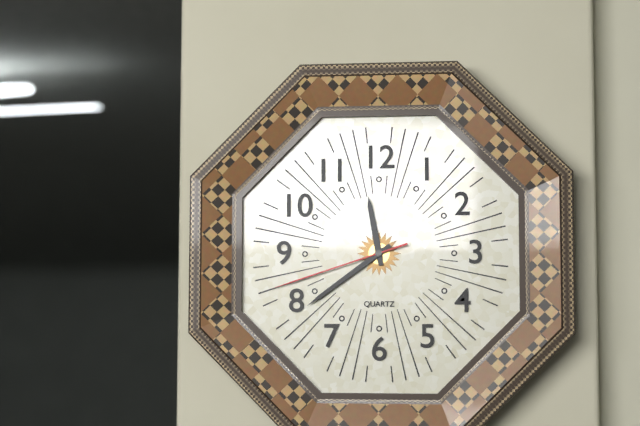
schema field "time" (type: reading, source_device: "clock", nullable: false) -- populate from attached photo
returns 11:39:42
